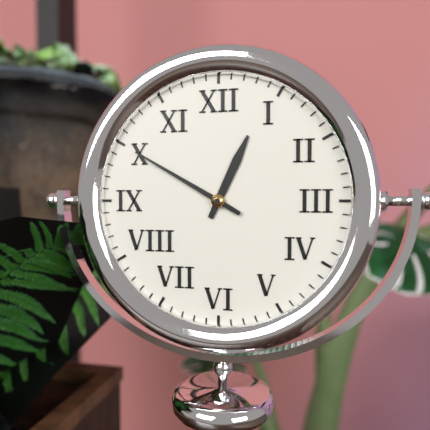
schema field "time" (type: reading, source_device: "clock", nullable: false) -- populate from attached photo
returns 12:50
